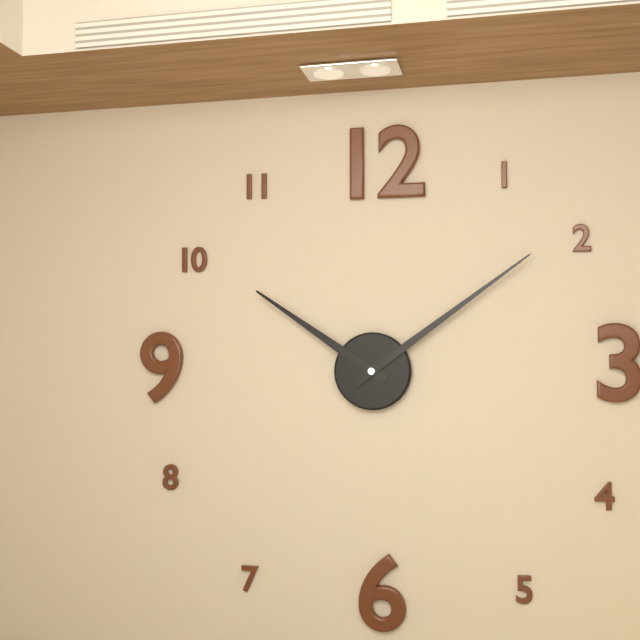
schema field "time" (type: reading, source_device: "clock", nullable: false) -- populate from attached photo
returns 10:09
